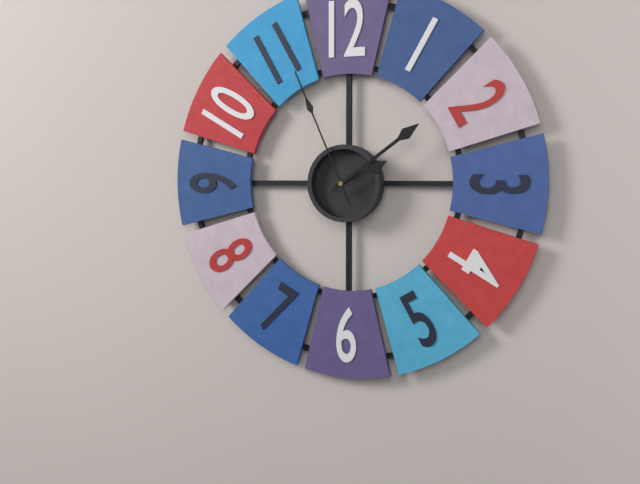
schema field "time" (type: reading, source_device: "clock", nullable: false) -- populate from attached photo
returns 2:09:56
